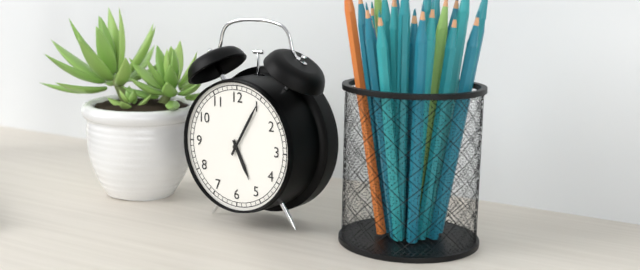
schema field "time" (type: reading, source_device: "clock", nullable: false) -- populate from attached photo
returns 5:05
